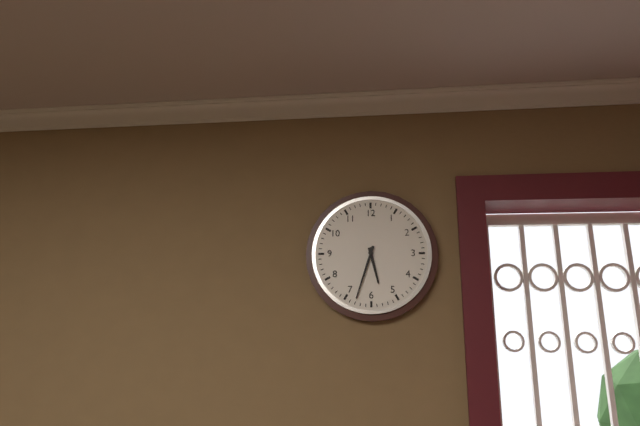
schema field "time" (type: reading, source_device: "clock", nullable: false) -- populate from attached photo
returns 5:33
